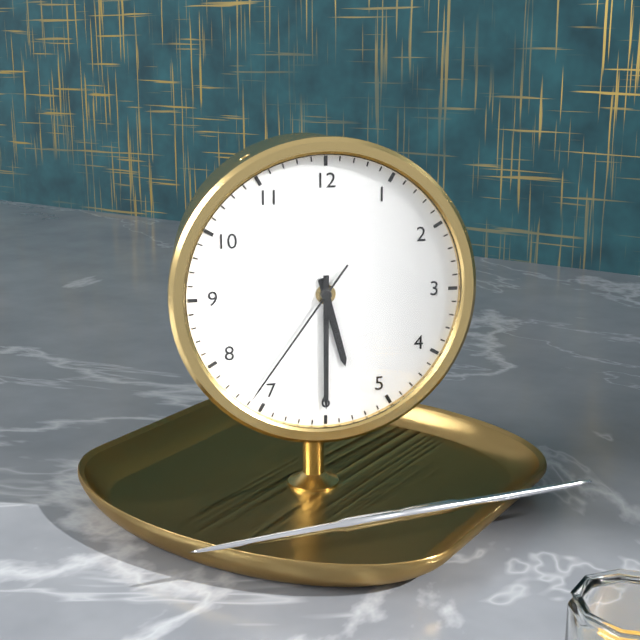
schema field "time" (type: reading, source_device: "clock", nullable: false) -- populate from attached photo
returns 5:30:36
